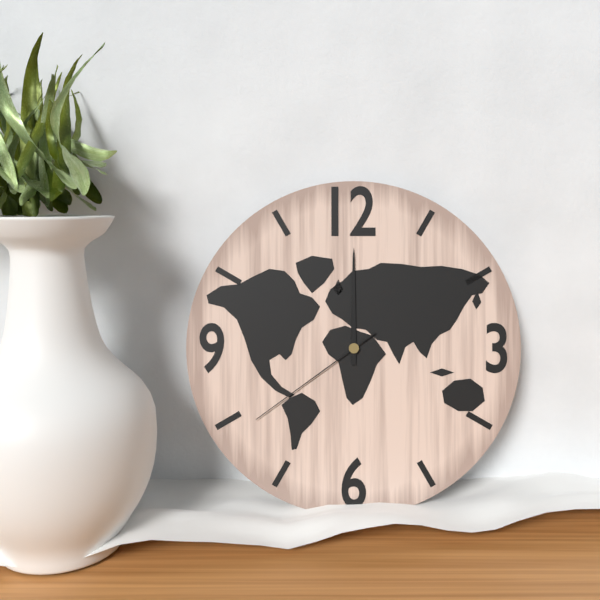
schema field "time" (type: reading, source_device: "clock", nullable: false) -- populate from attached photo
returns 12:00:39
